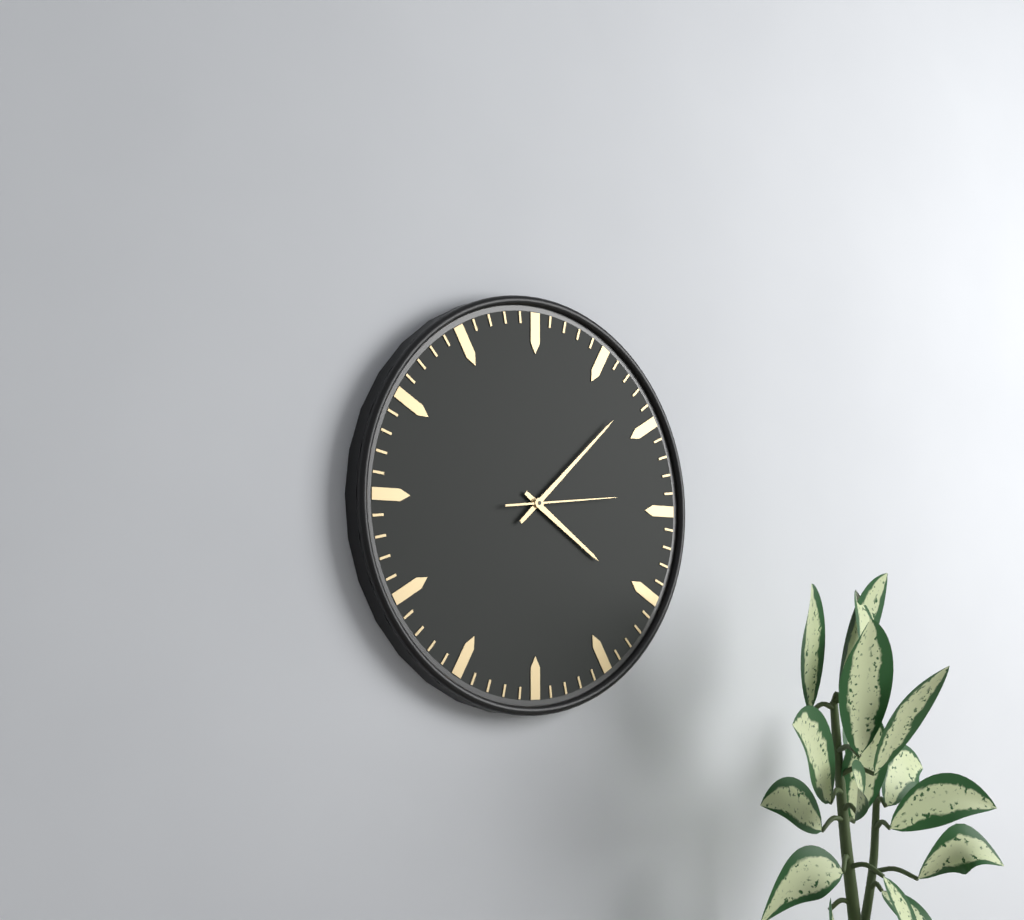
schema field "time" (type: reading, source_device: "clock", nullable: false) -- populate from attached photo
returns 4:08:14
